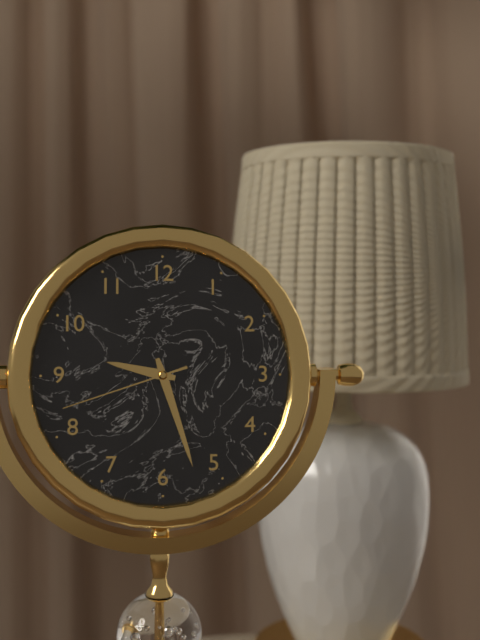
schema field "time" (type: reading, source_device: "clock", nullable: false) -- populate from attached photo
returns 9:27:42
